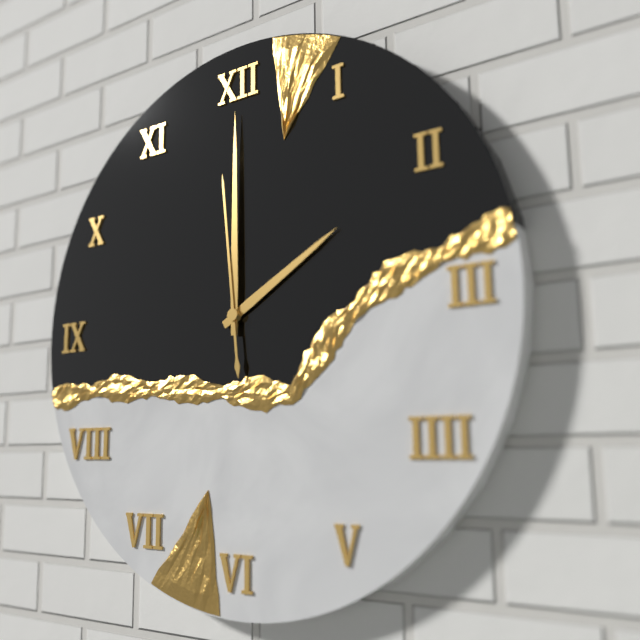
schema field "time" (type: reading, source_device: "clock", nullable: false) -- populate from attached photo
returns 2:00:59
